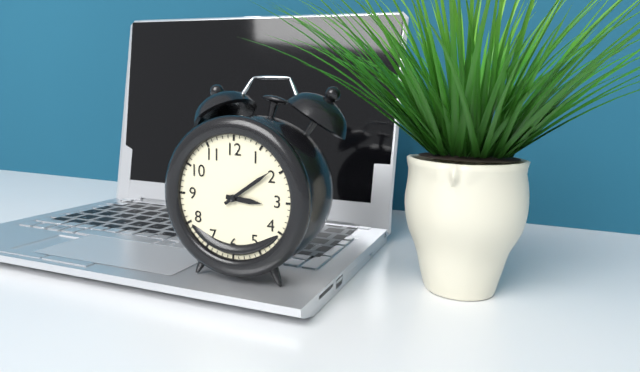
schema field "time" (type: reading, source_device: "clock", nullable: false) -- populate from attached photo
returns 3:09
